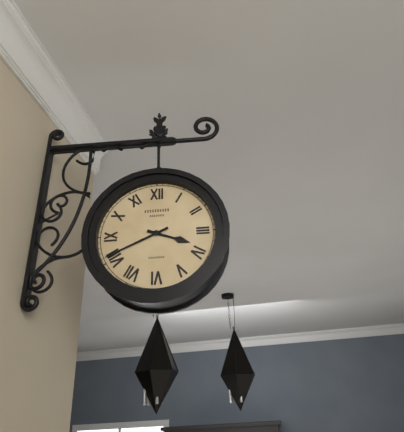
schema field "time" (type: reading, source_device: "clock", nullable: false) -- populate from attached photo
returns 3:41
